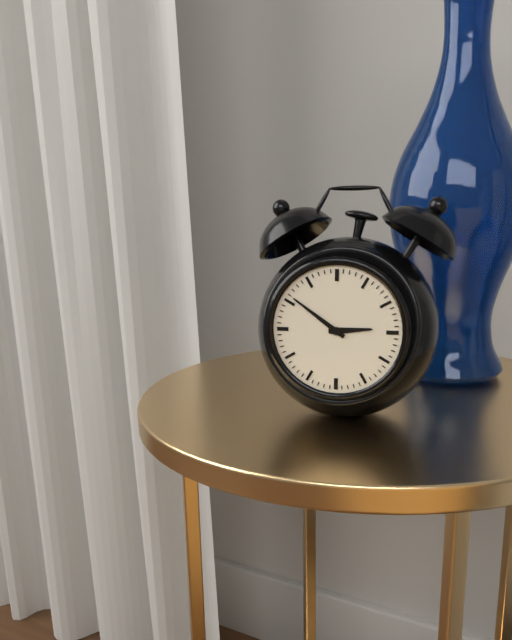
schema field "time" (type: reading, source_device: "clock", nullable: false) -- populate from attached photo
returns 2:51
